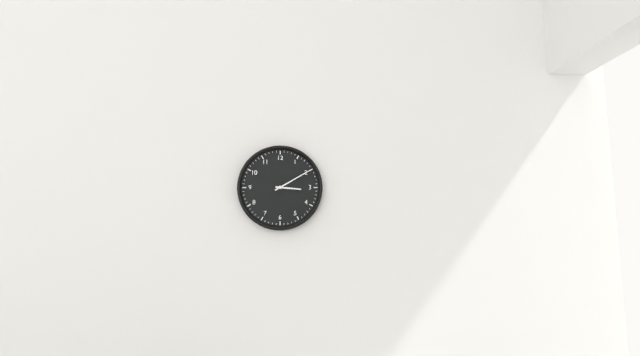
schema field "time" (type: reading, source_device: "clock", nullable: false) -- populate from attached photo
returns 3:10
